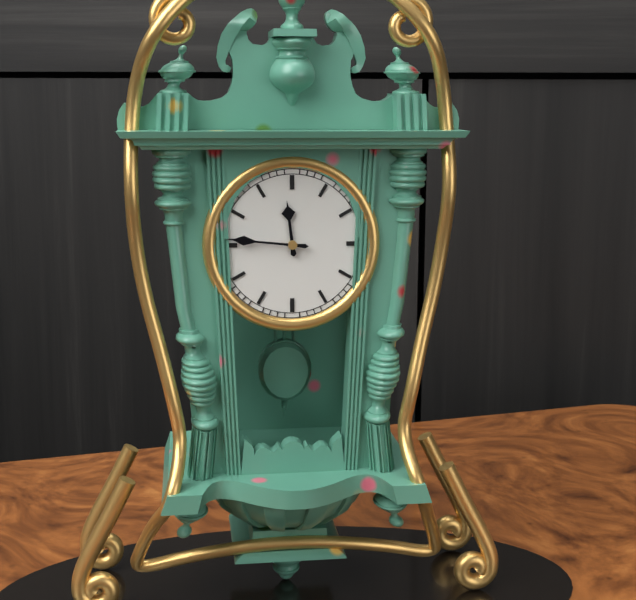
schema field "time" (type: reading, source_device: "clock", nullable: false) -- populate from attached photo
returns 11:46
